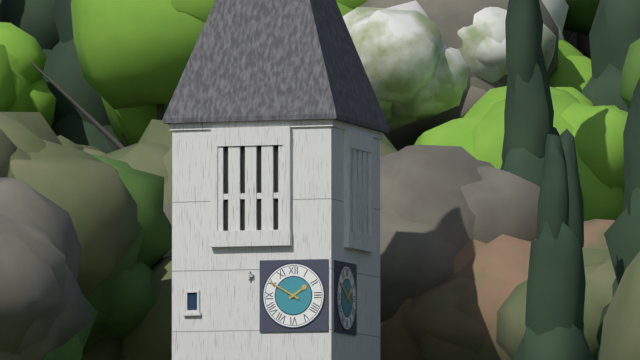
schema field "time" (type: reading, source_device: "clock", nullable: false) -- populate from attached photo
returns 1:50
